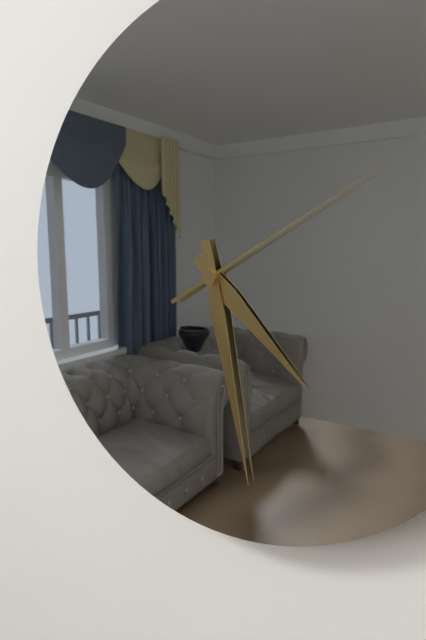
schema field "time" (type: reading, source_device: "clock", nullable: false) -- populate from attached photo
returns 4:28:10
